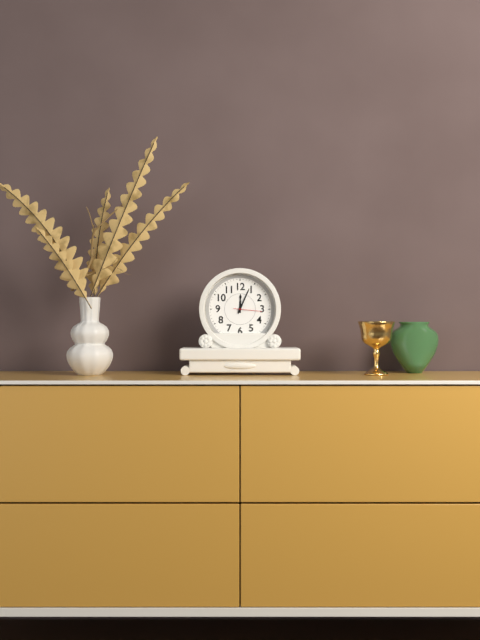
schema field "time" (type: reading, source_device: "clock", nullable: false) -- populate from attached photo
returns 12:04
